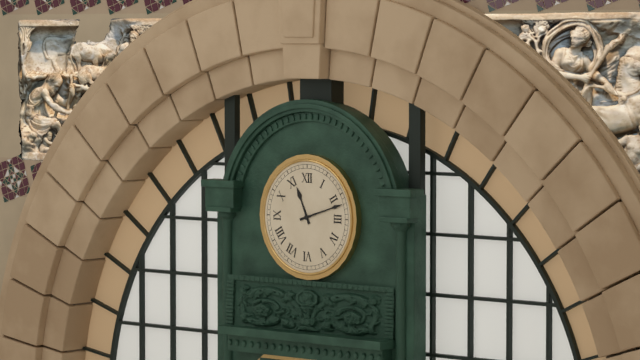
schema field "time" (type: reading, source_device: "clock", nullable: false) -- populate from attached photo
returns 11:12
